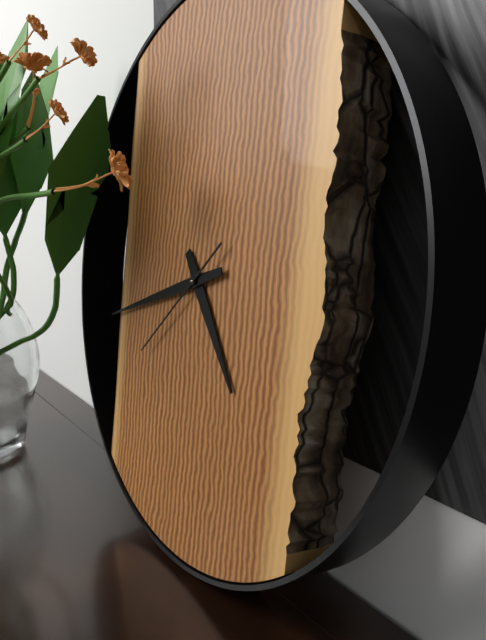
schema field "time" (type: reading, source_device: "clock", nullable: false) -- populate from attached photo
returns 4:42:38
